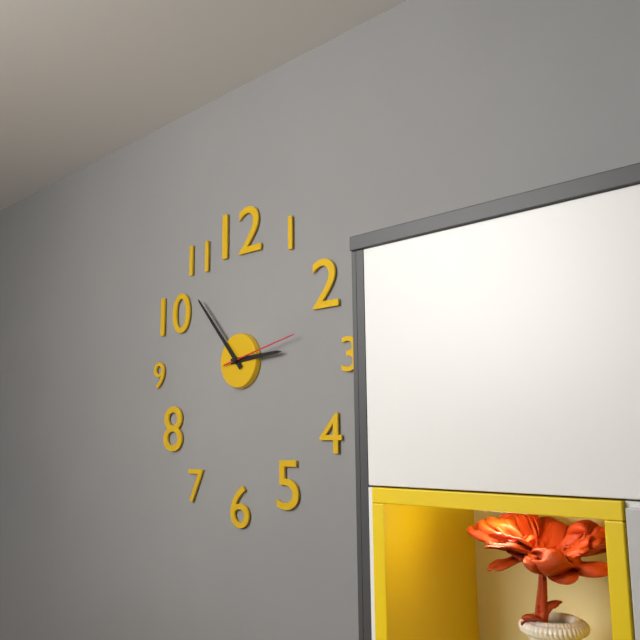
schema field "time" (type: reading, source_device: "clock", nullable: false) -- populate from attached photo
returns 2:53:13
